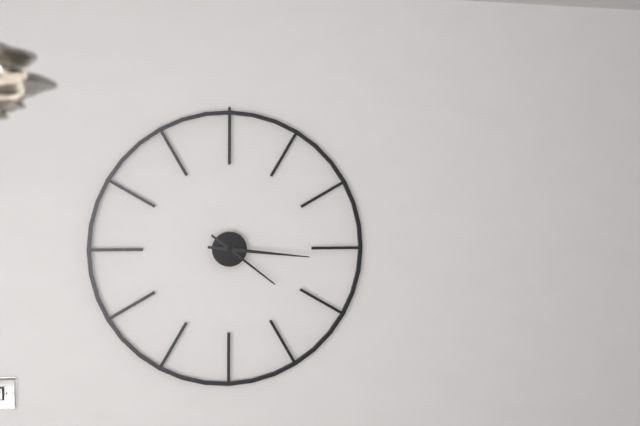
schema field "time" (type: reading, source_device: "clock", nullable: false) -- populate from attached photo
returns 4:16
